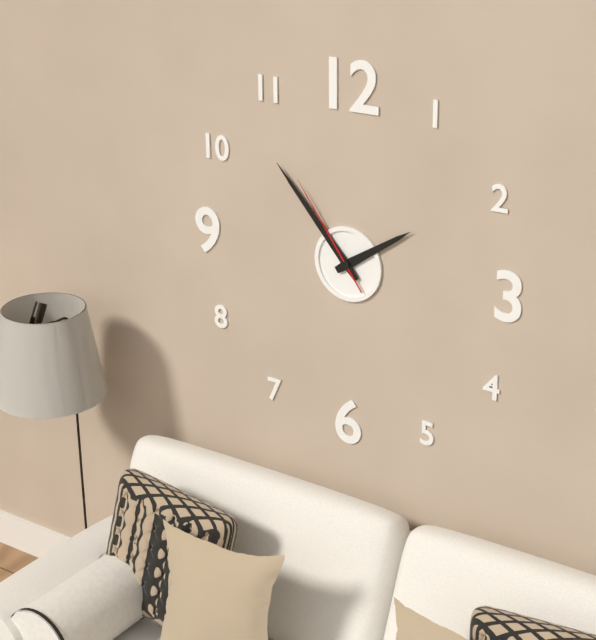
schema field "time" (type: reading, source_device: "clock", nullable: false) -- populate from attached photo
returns 1:53:54
